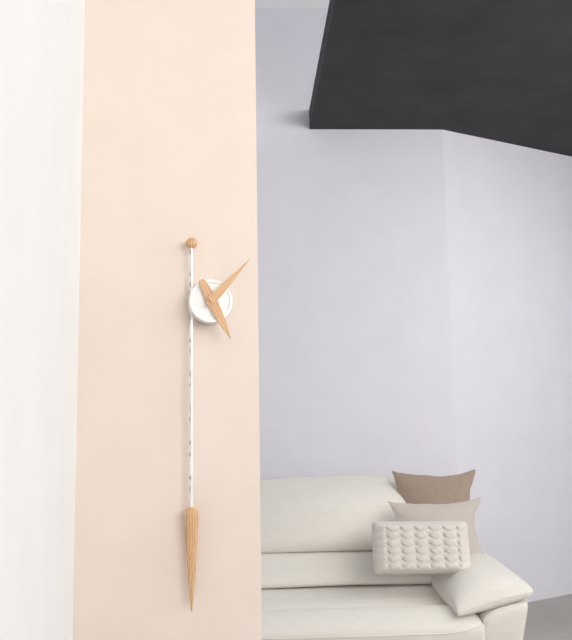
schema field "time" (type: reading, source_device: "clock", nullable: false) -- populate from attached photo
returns 5:07
